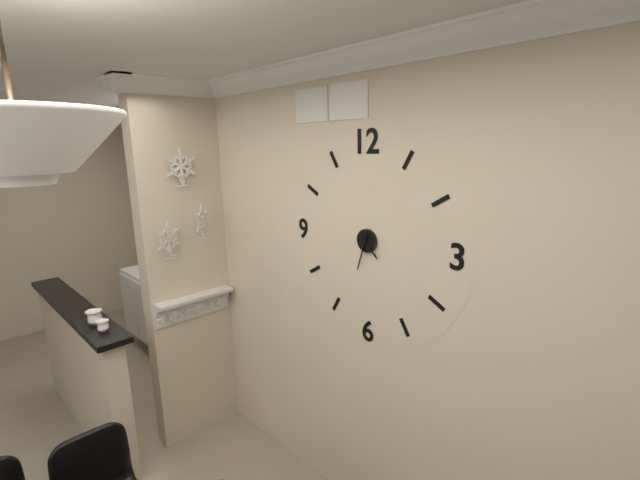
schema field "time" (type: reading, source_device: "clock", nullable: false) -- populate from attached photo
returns 4:33
